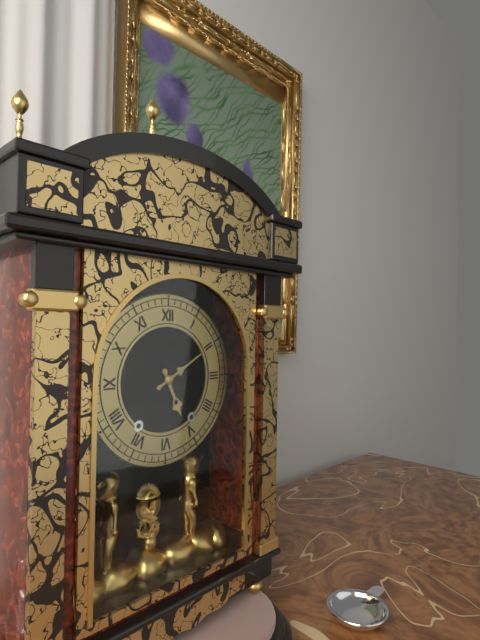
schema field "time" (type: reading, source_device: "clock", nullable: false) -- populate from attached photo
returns 5:10
